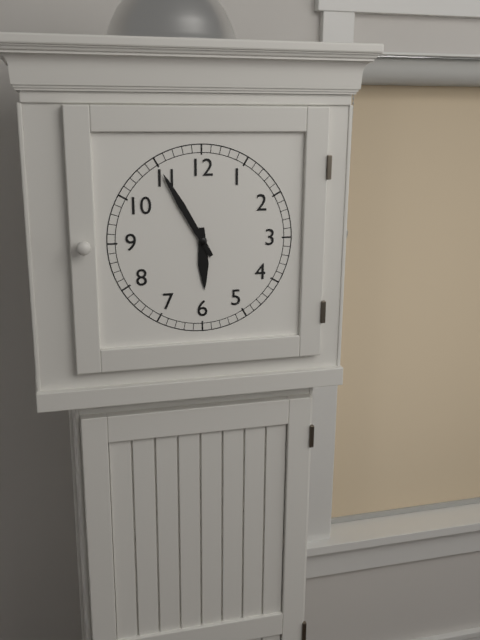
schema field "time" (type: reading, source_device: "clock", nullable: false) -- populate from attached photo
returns 5:55
